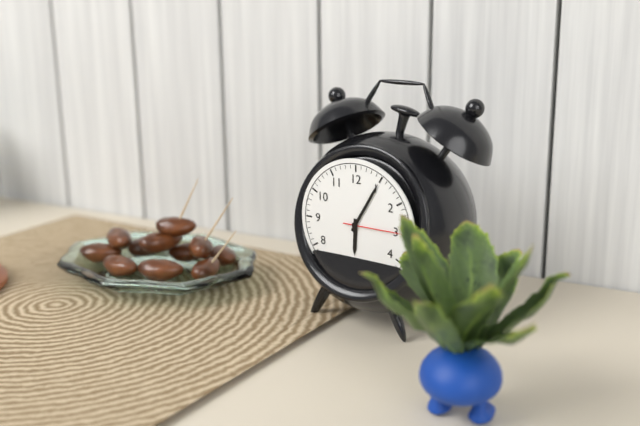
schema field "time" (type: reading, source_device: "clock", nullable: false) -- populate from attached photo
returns 6:05:15
